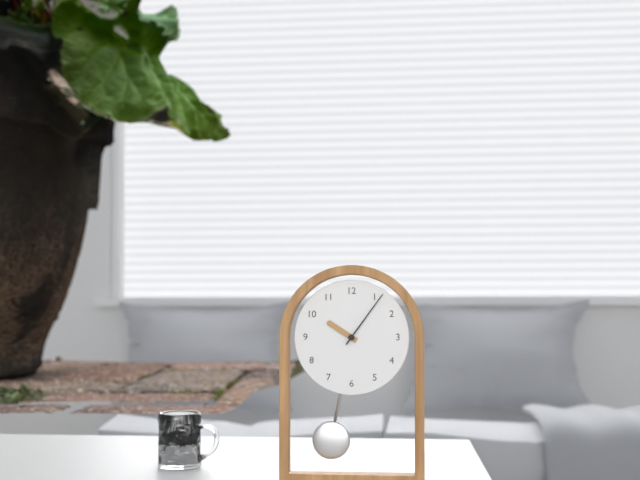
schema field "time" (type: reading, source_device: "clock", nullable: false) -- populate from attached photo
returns 10:06
